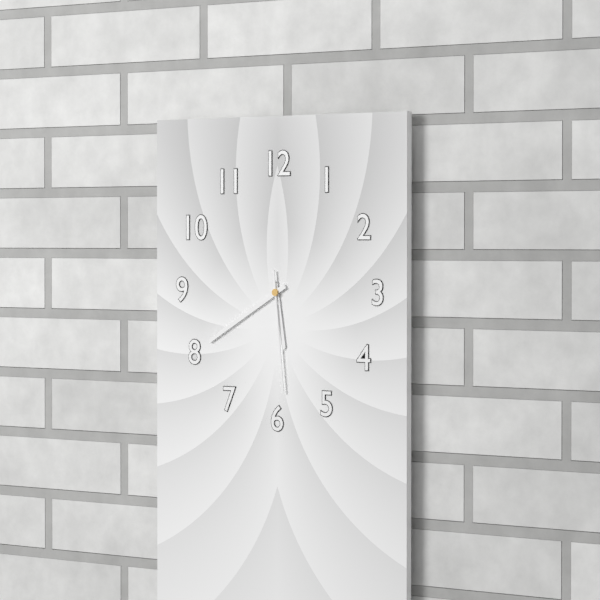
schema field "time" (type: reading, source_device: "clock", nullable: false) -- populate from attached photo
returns 5:40:29
